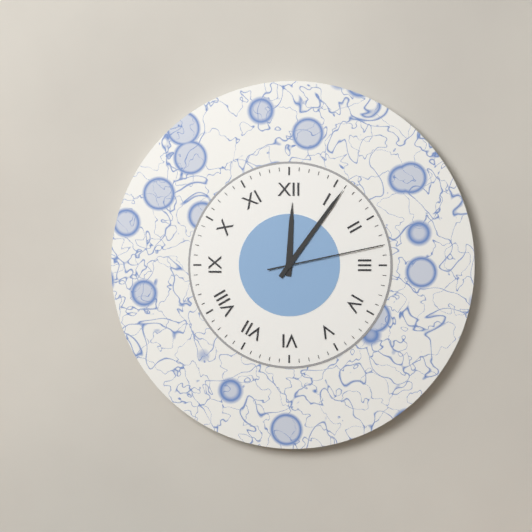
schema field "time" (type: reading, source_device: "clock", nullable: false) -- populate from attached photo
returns 12:06:13
